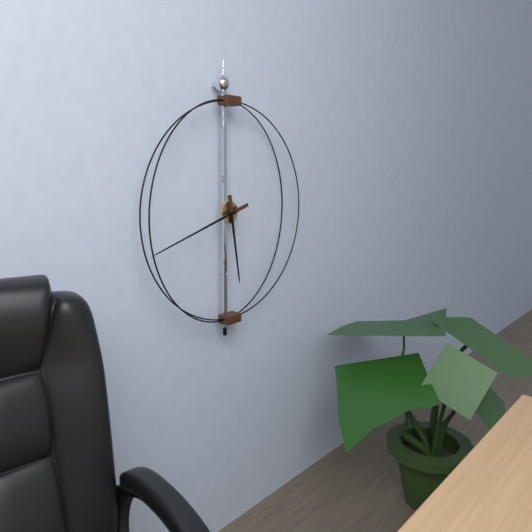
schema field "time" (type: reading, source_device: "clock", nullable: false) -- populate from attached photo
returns 5:42
